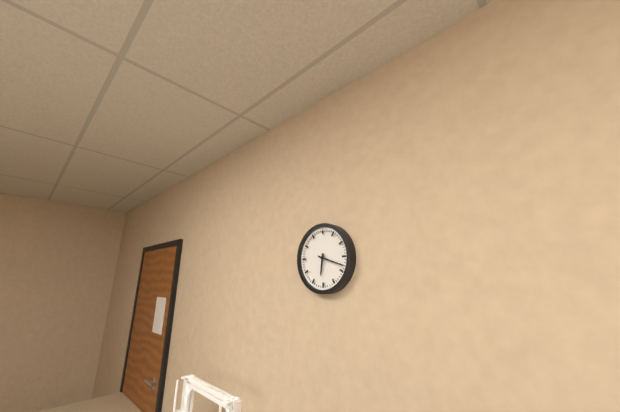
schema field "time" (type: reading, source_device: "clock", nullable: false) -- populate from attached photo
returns 6:18
